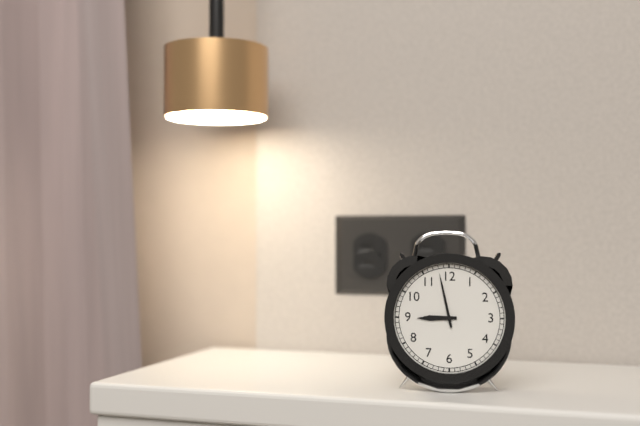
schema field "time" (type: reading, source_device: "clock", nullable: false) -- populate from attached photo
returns 8:58
